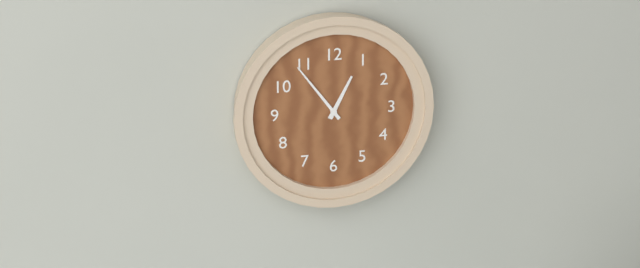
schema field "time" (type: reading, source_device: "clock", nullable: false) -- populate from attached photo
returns 12:54
